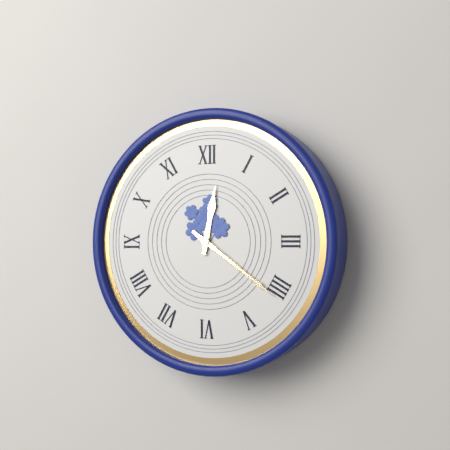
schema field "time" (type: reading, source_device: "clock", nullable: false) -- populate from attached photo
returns 12:21
